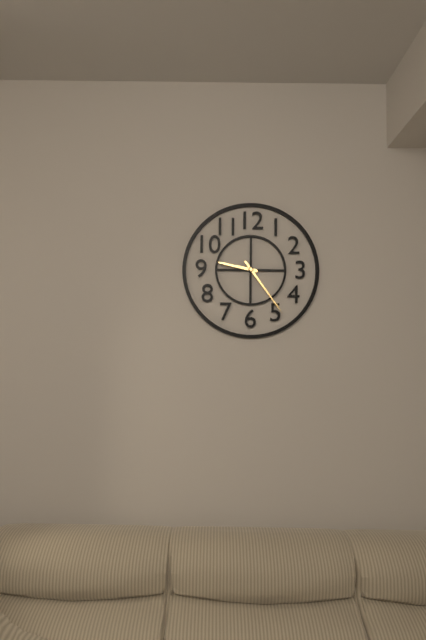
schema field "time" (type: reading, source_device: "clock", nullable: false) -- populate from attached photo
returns 9:24
